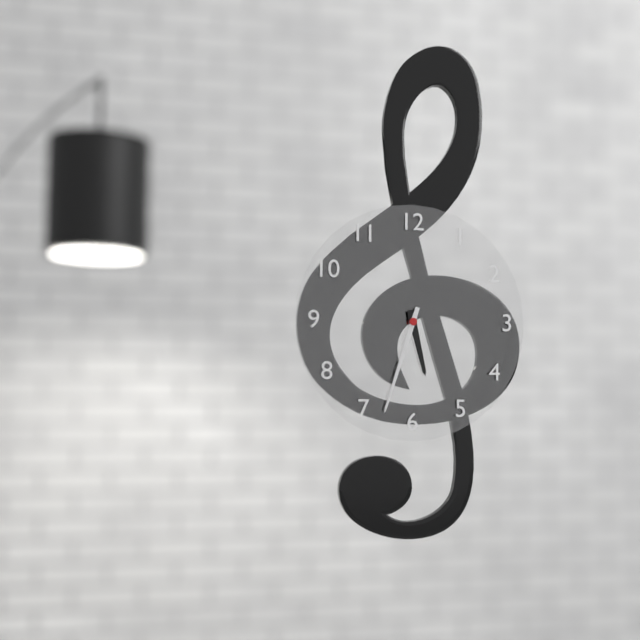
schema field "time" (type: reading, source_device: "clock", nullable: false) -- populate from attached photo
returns 5:33
